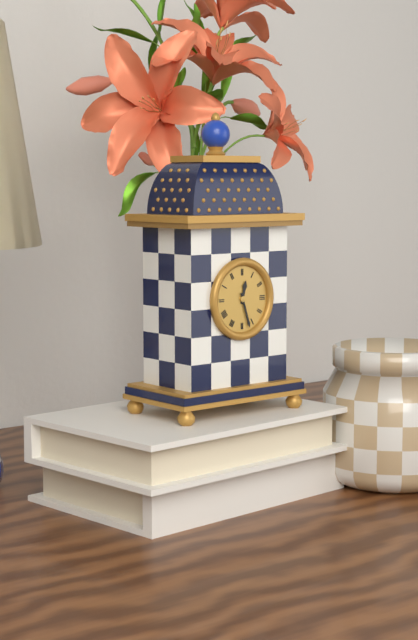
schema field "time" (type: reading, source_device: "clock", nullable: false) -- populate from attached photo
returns 12:27
